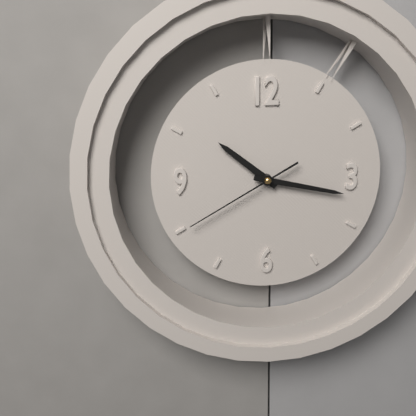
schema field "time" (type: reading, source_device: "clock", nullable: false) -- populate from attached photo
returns 10:17:40
